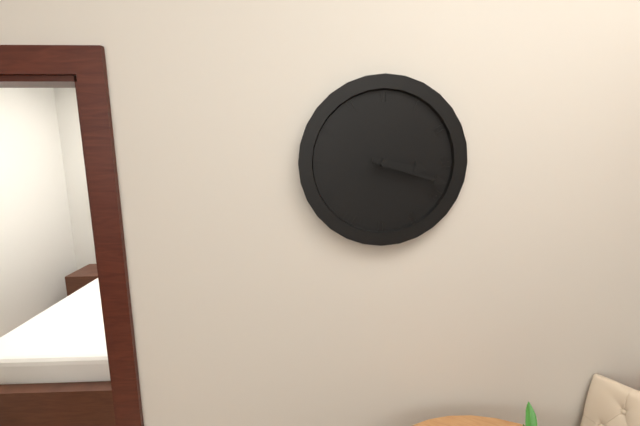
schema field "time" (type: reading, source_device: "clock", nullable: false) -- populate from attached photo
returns 3:18
